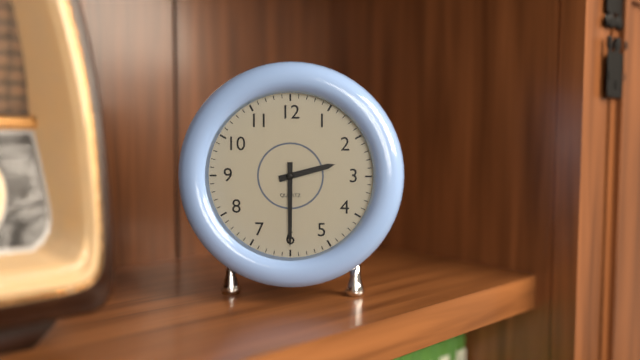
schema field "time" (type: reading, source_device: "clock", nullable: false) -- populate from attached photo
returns 2:30
